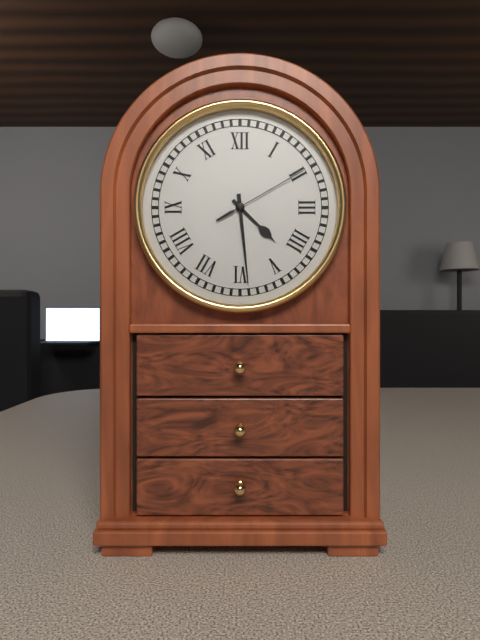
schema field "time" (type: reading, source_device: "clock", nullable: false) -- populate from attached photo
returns 4:29:10
